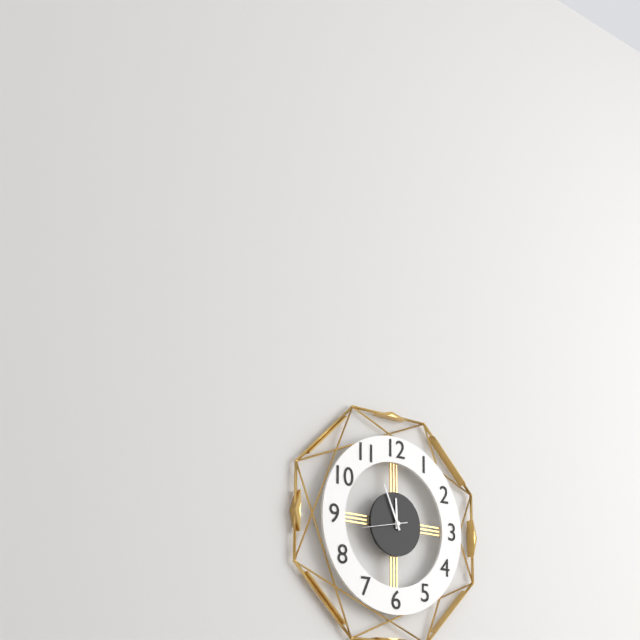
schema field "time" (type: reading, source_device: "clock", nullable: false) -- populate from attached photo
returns 11:56
